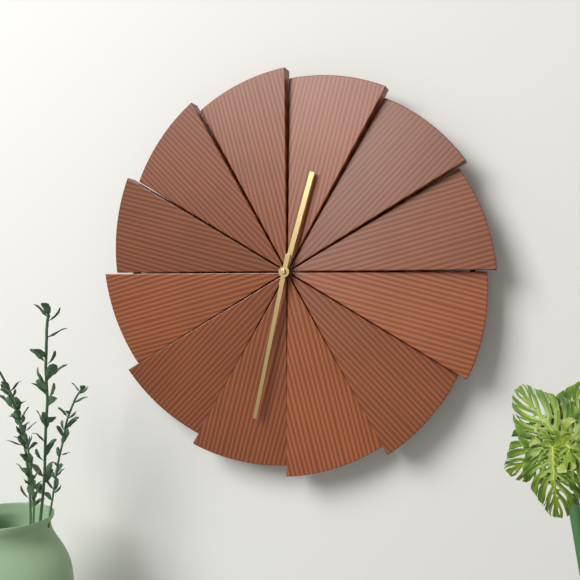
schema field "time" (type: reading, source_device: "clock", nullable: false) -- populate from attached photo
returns 12:32
